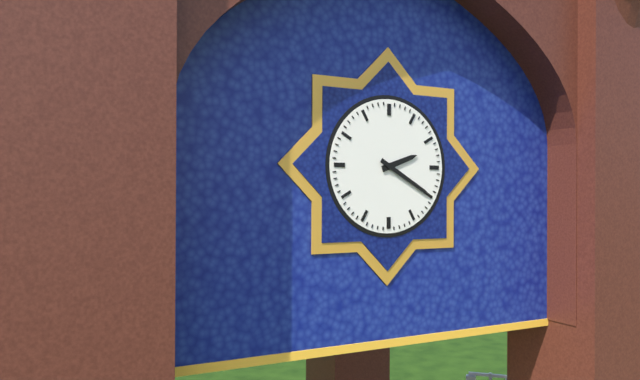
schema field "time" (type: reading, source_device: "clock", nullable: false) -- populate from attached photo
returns 2:20
